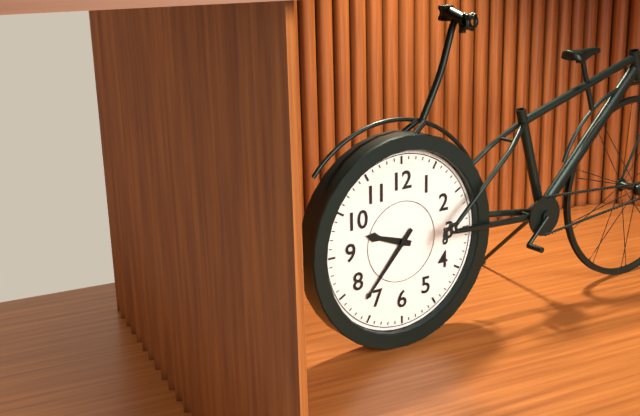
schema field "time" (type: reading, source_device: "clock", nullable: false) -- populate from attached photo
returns 9:37
